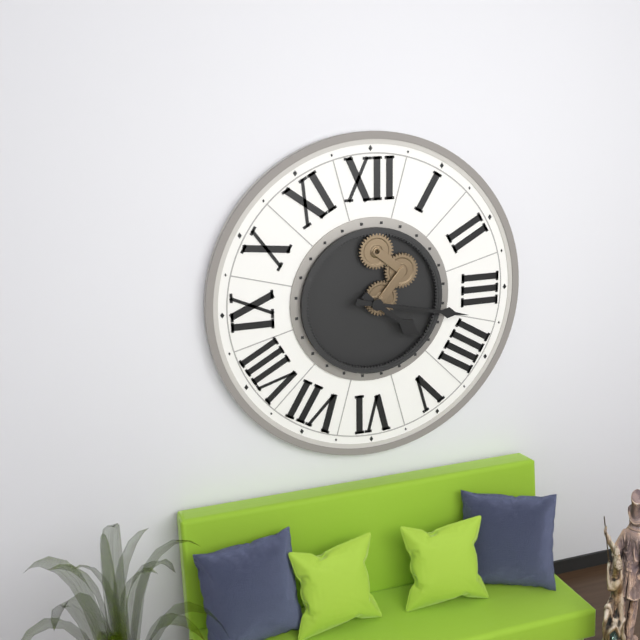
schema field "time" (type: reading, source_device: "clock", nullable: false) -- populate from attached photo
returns 4:17
